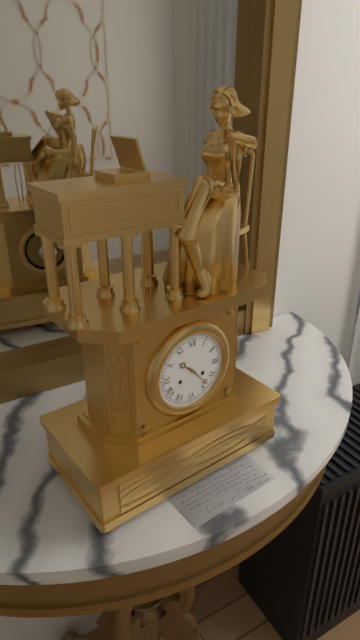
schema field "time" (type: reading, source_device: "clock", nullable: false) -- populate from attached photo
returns 10:23
